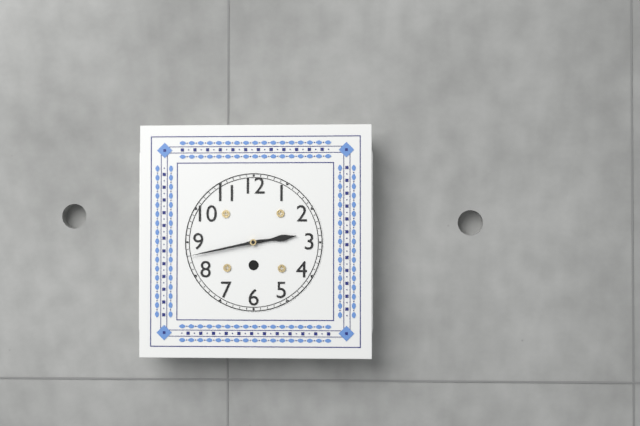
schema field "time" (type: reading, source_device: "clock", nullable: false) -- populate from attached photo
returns 2:43
